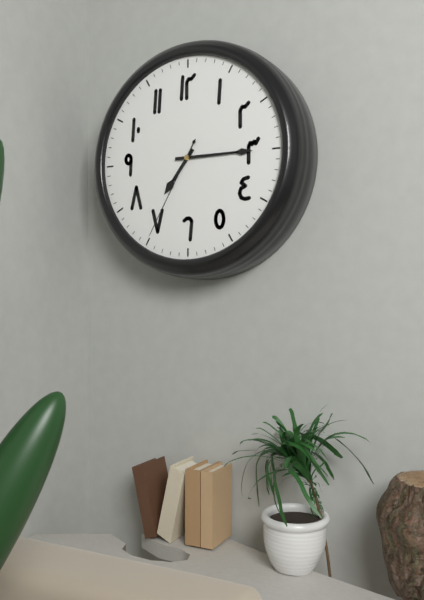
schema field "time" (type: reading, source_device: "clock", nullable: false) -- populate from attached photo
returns 7:15:35
